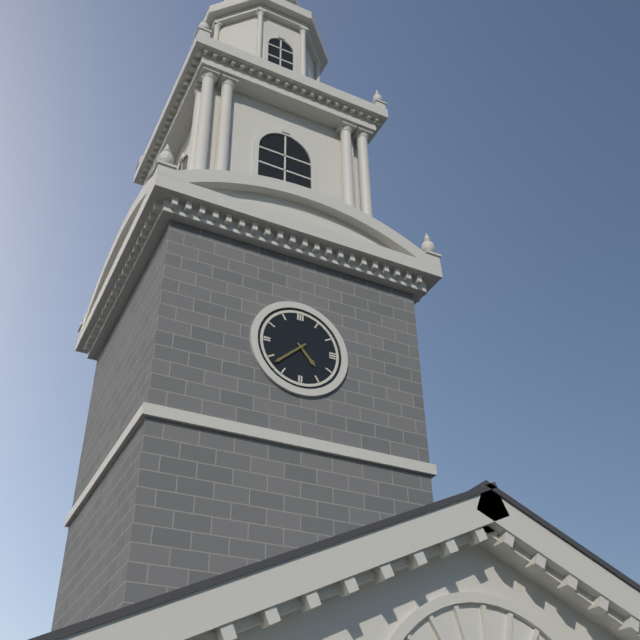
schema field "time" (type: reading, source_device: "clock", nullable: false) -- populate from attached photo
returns 4:38
